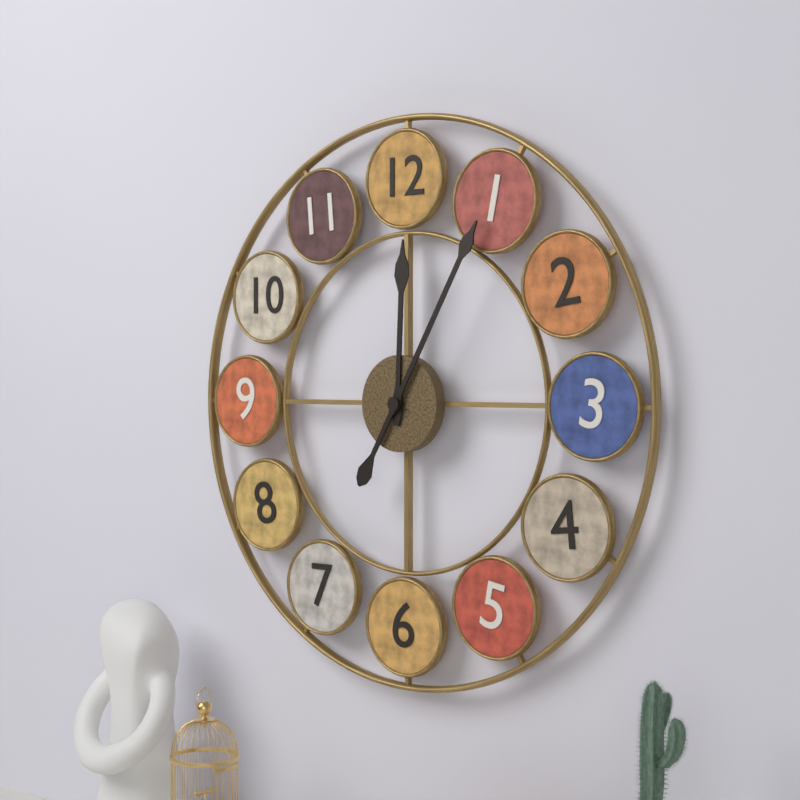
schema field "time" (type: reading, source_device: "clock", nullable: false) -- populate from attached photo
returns 12:05
